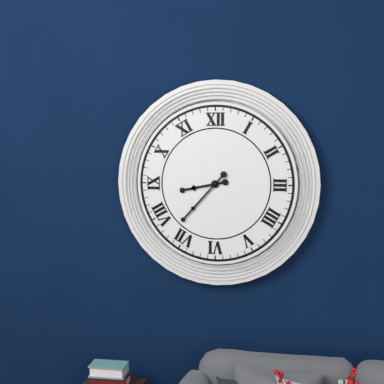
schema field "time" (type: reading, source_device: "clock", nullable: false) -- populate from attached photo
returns 8:37
